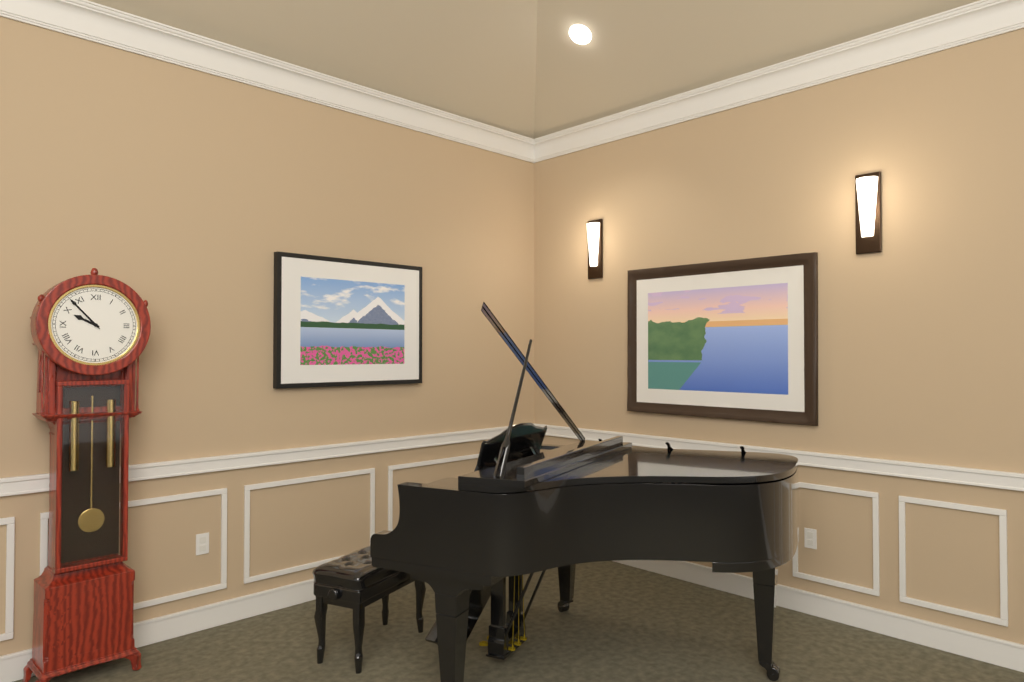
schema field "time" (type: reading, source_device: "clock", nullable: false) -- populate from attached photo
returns 9:53
